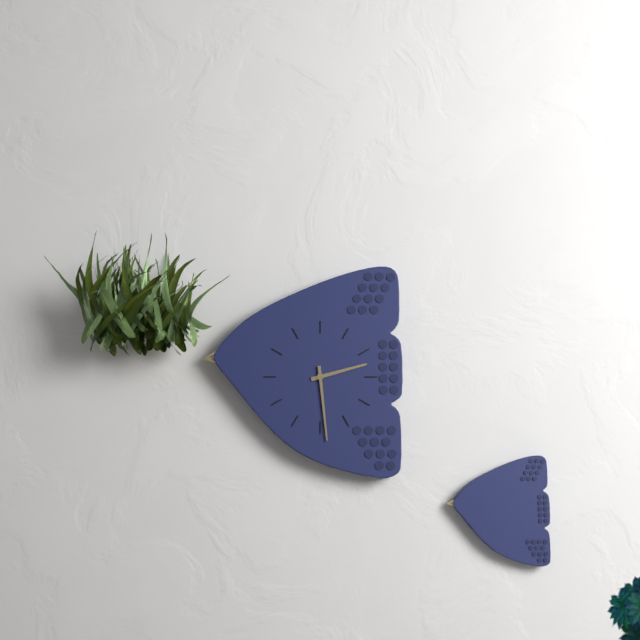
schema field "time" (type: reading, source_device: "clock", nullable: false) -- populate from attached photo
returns 2:29
